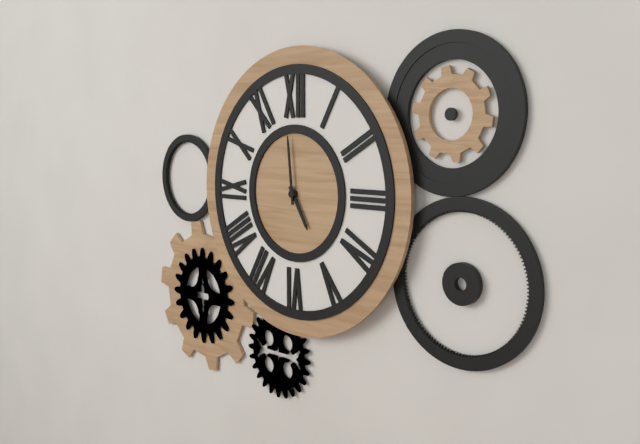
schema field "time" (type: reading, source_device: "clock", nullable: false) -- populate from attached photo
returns 4:59
